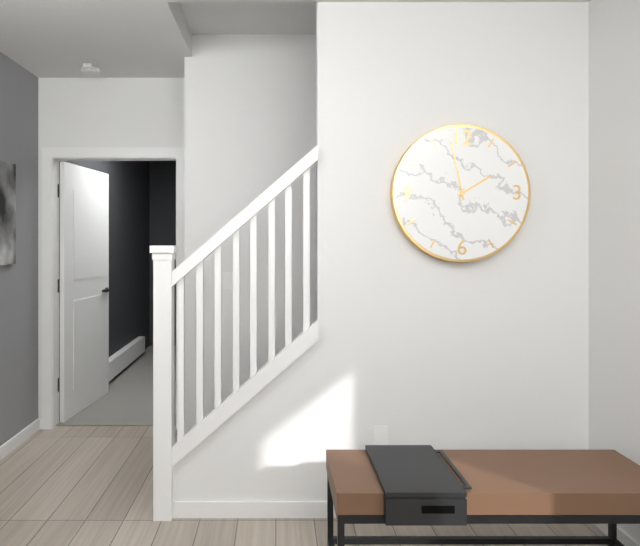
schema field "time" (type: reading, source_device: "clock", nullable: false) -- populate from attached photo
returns 1:58
